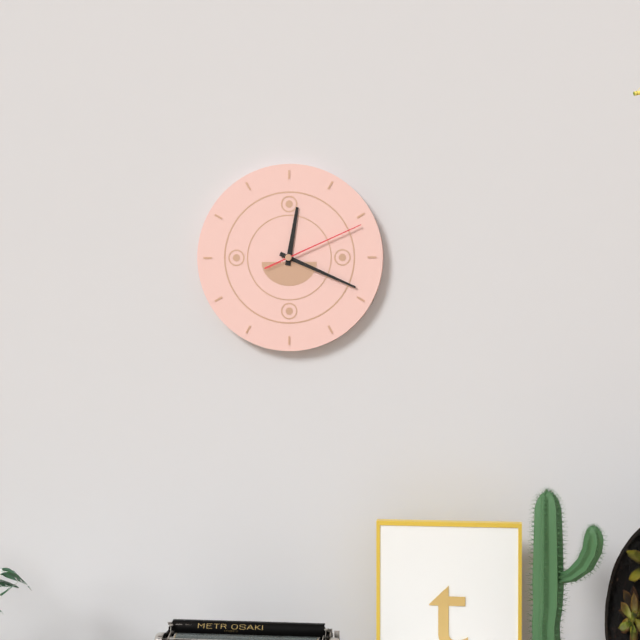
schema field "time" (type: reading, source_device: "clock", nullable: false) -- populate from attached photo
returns 12:19:11
